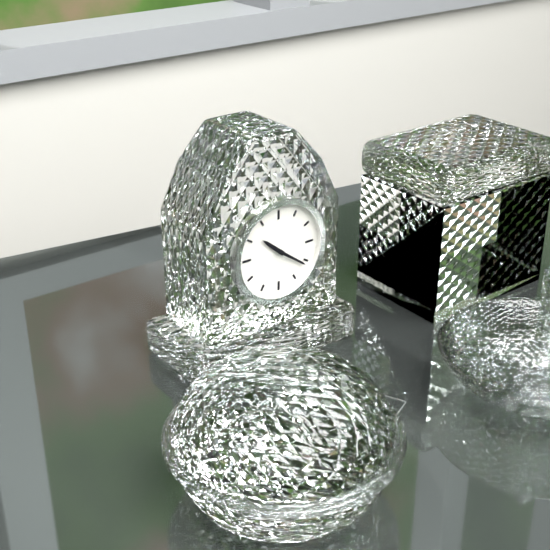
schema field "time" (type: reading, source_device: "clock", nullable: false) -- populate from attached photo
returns 10:21
